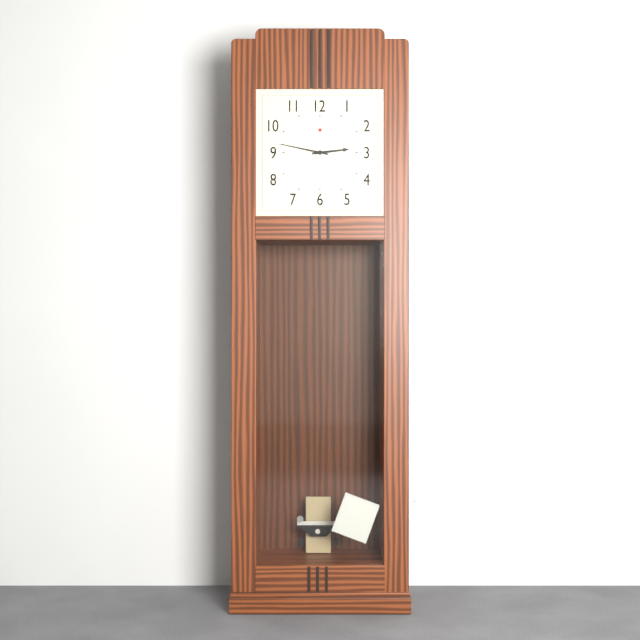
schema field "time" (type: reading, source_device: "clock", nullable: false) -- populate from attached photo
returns 2:47
